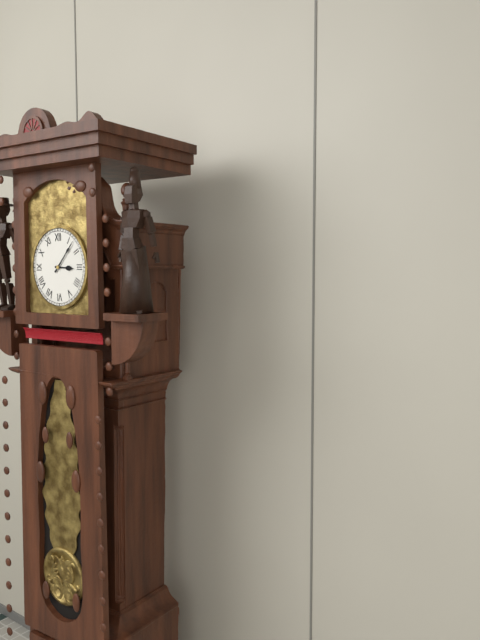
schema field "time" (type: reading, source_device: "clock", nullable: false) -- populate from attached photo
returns 3:07
